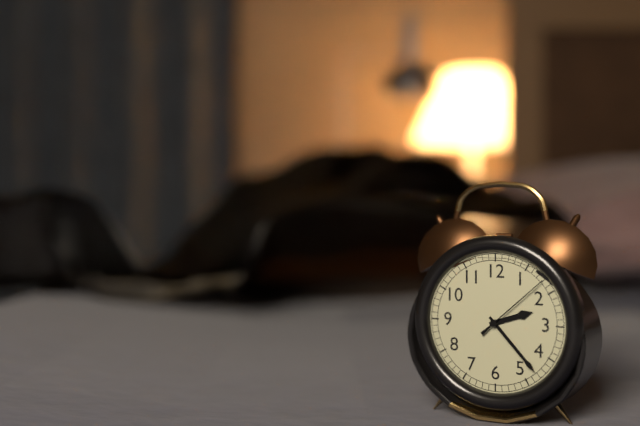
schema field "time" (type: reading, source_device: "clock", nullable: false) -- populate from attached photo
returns 2:23:08
